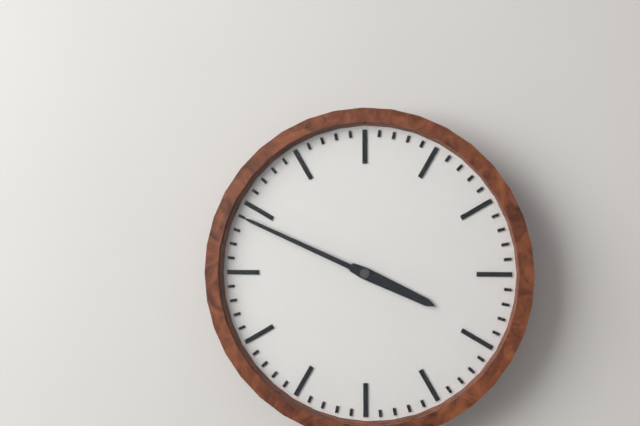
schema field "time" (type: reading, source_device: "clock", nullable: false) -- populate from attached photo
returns 3:49
